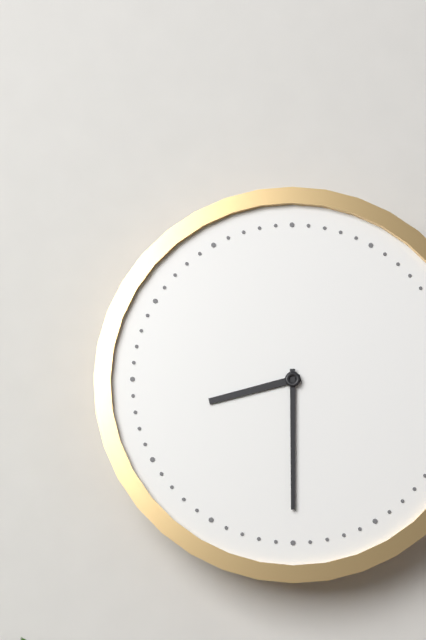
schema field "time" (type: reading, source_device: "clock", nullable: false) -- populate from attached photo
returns 8:30
